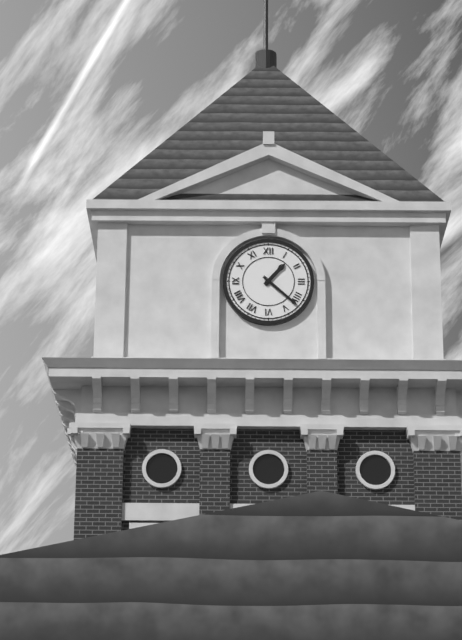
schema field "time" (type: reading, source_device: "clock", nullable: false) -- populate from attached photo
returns 1:22
